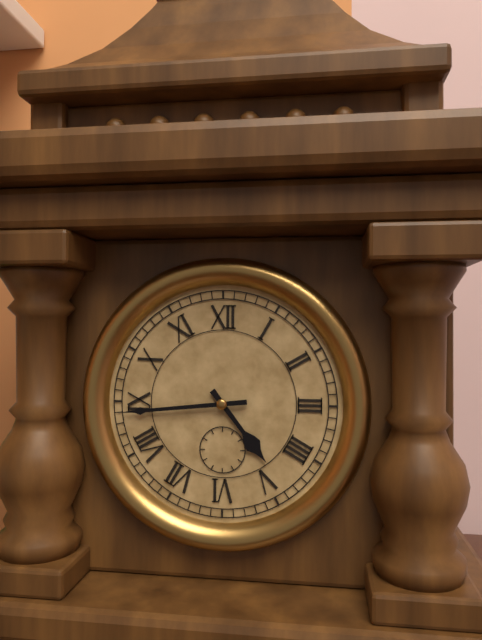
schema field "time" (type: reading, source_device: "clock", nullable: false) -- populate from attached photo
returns 4:44
